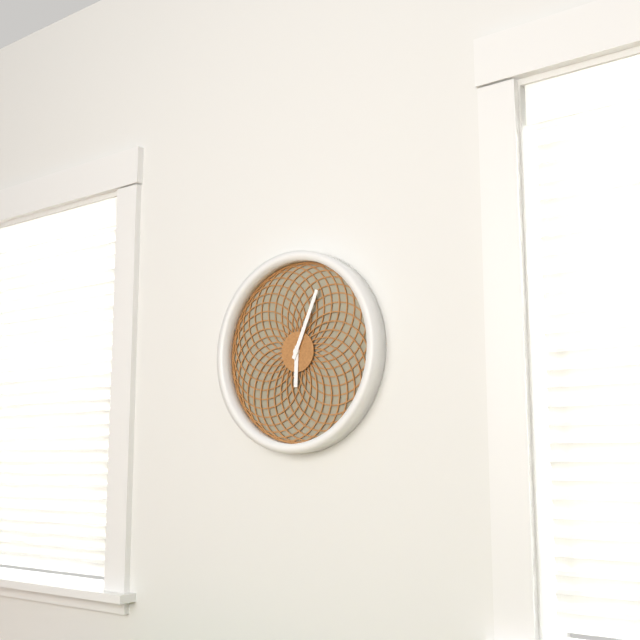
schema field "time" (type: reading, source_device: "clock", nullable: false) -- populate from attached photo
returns 6:04
